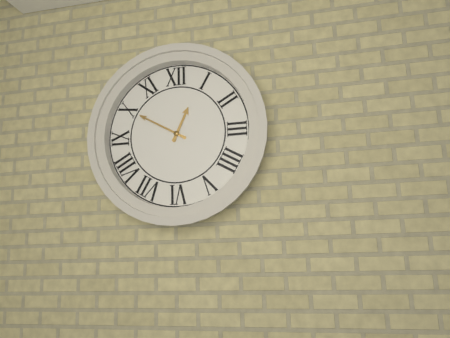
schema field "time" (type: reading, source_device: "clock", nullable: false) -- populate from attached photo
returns 12:50
